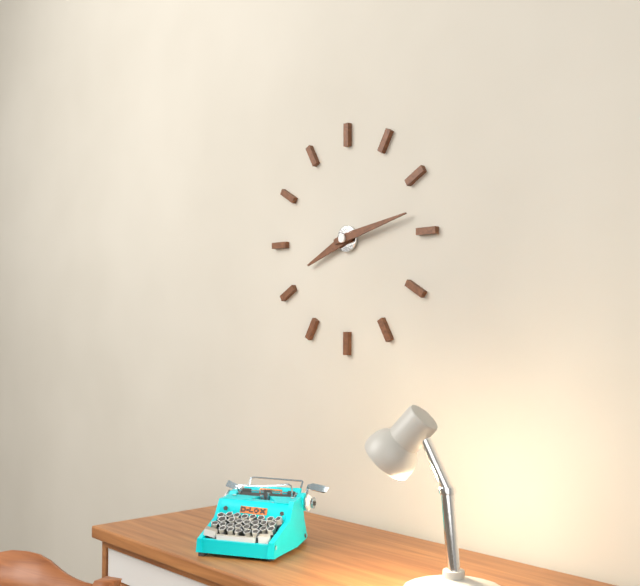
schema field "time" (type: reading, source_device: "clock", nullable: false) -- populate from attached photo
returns 8:13
